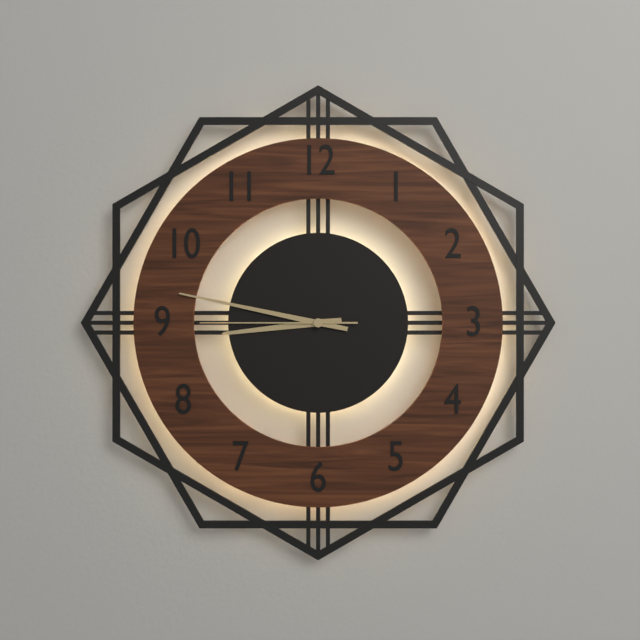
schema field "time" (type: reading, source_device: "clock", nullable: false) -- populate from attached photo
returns 8:47:45
